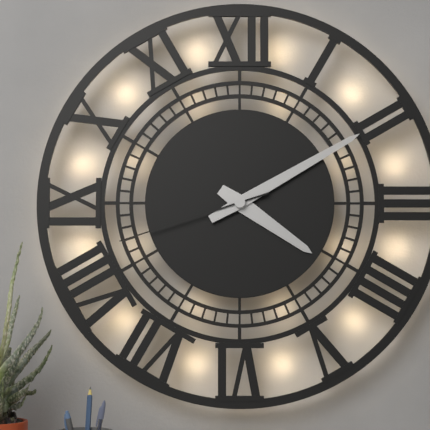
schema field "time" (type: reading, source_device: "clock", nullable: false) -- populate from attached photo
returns 4:10:42
